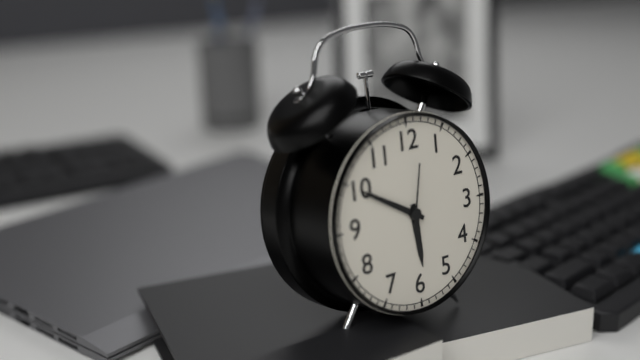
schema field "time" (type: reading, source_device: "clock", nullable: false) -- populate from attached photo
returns 5:50:02
